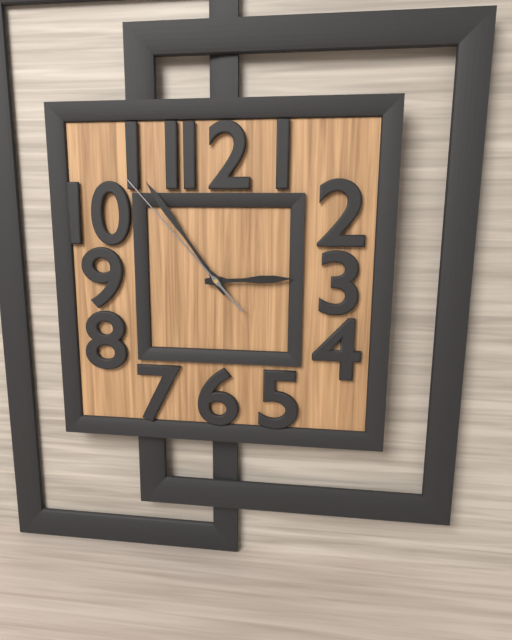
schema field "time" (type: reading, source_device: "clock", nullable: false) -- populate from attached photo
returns 2:54:53
